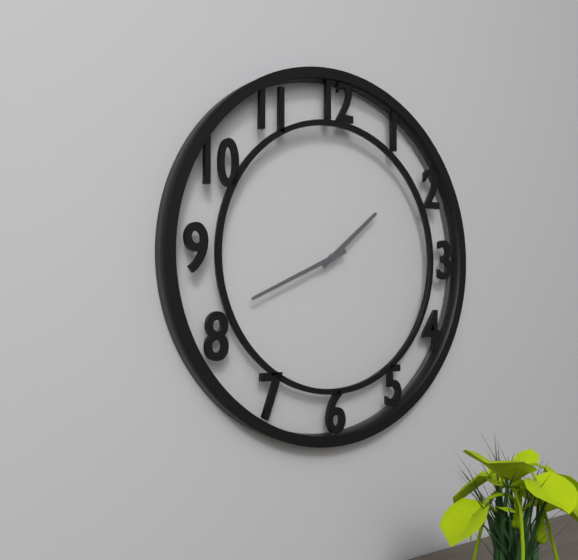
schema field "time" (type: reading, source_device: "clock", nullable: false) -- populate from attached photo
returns 1:41
